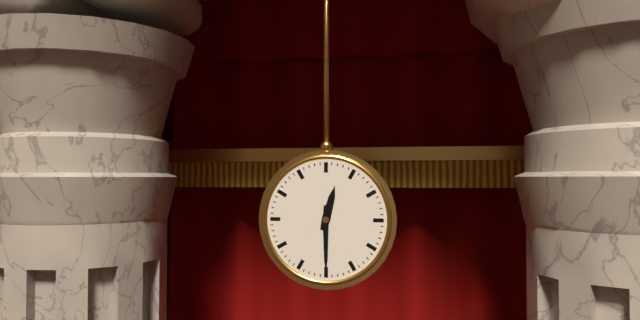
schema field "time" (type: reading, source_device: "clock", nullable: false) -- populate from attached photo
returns 12:30
